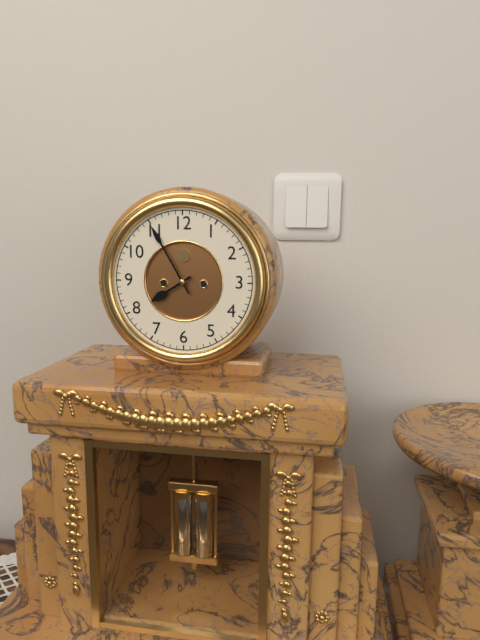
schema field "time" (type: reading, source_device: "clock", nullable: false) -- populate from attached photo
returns 7:55
